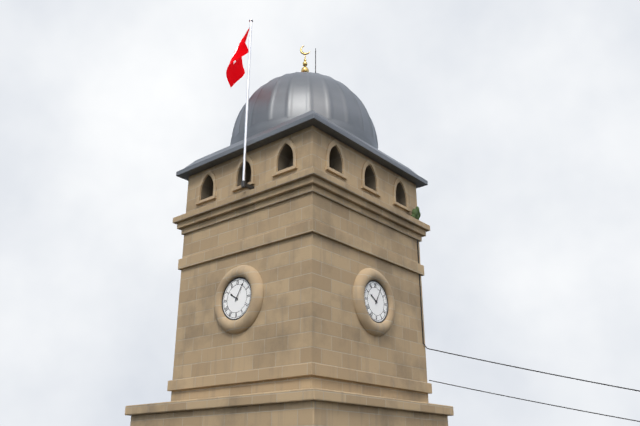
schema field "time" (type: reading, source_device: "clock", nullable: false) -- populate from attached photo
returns 10:05
